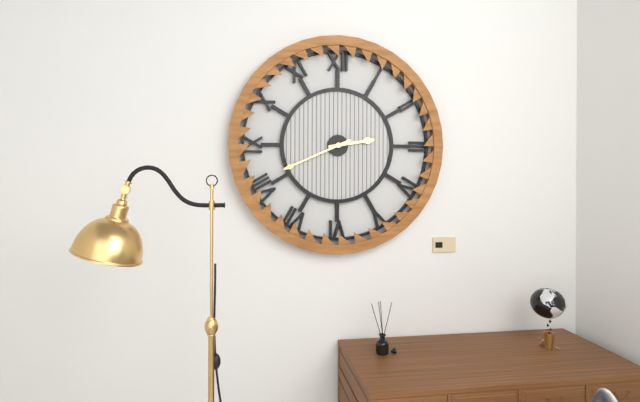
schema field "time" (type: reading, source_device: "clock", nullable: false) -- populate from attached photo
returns 2:41
